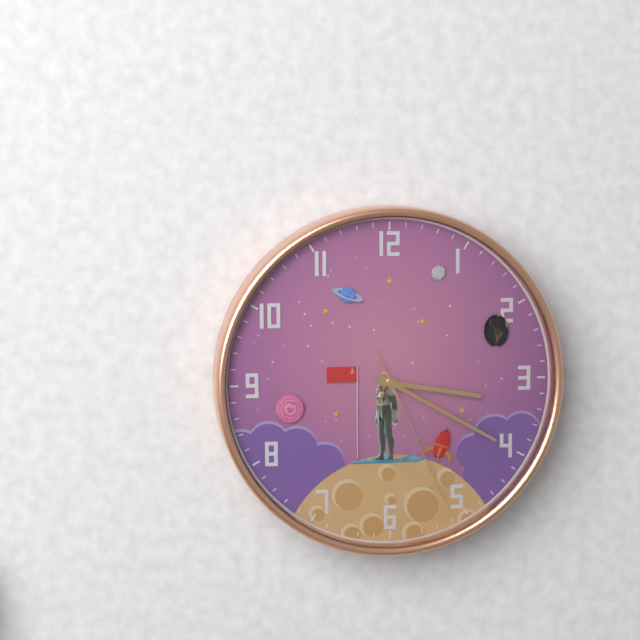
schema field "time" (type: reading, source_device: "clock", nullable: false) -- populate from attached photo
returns 3:20:26
